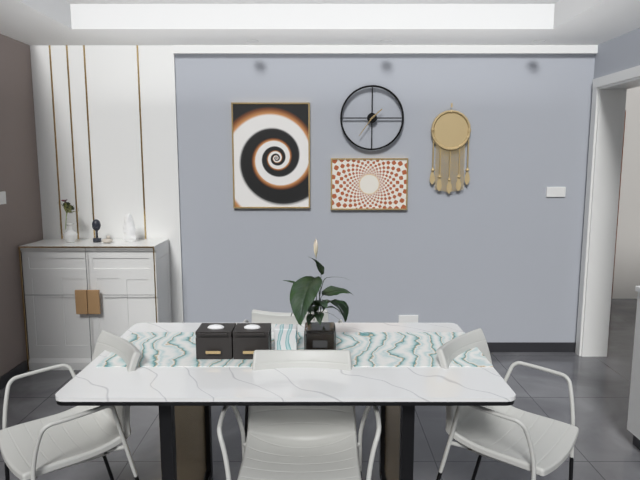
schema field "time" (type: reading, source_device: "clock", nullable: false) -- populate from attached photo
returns 1:36
